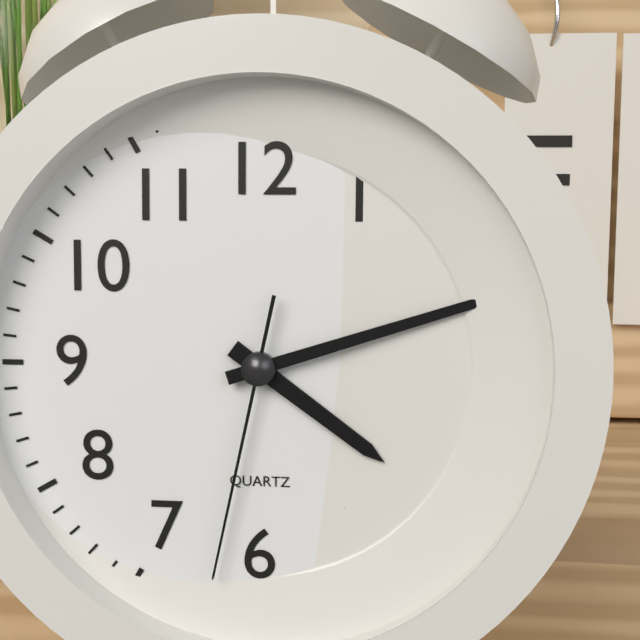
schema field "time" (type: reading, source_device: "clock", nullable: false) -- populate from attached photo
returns 4:12:32
